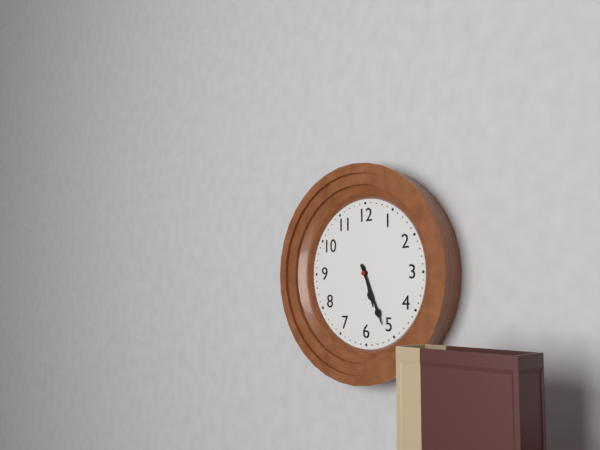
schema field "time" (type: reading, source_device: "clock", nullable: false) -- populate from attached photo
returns 5:26
